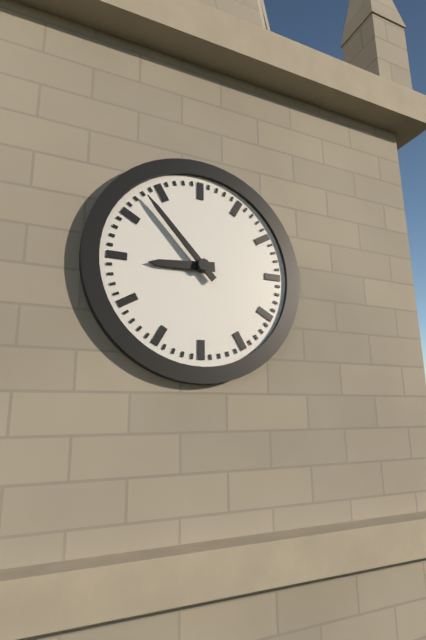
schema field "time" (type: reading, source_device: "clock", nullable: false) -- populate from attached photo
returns 8:53
